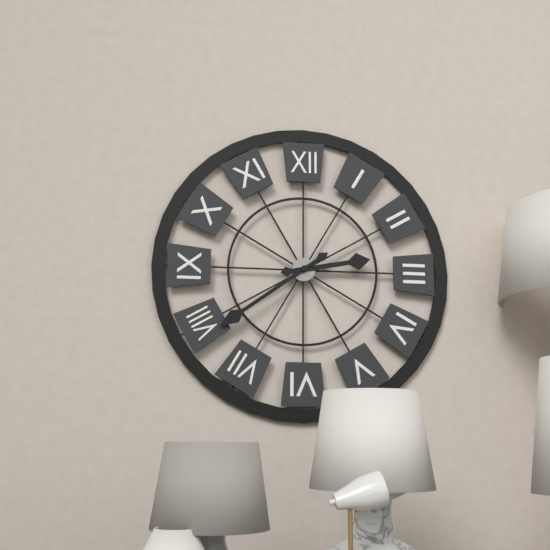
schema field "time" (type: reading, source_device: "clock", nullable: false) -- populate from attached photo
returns 2:39
